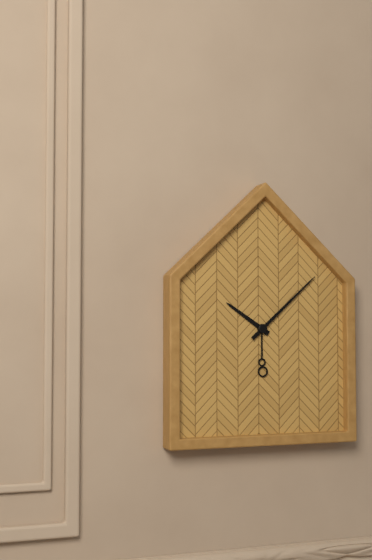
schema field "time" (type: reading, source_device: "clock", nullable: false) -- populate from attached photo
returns 10:08
